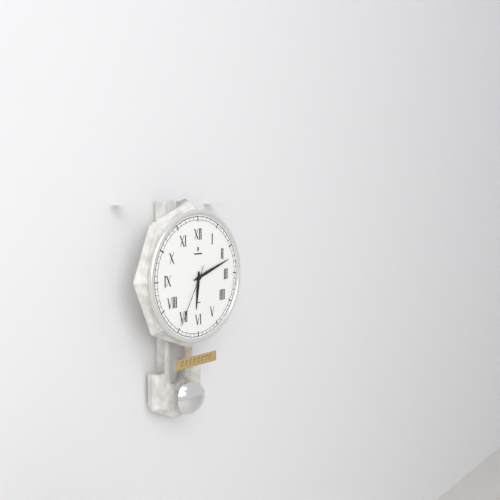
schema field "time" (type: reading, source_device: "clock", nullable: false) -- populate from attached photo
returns 6:12:35
